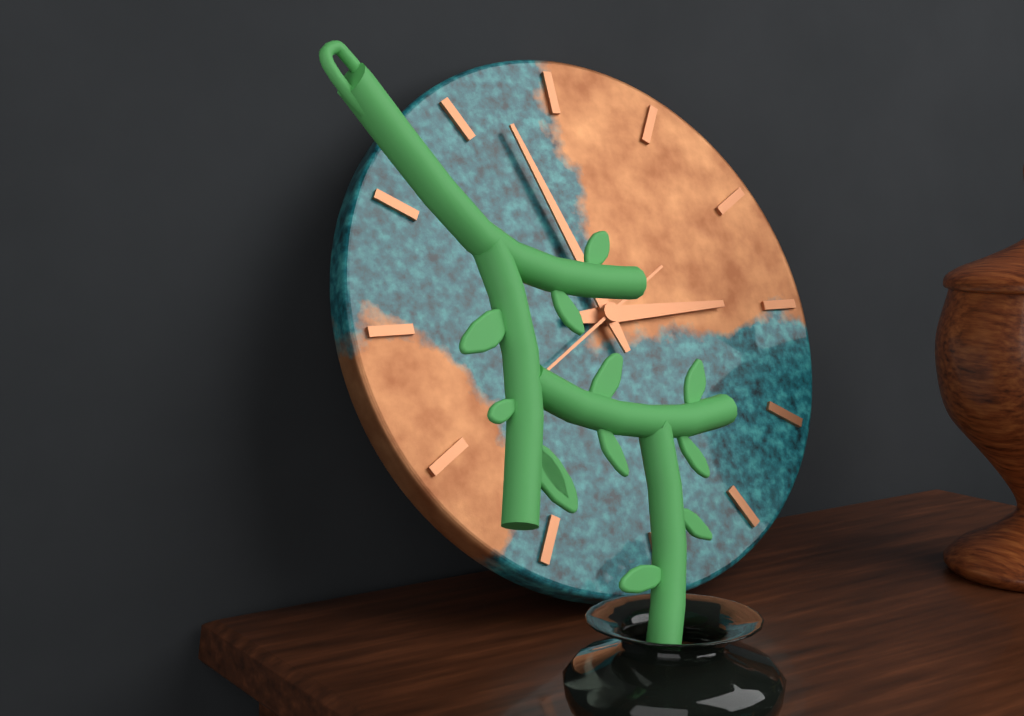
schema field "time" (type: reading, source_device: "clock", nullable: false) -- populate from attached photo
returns 2:57
